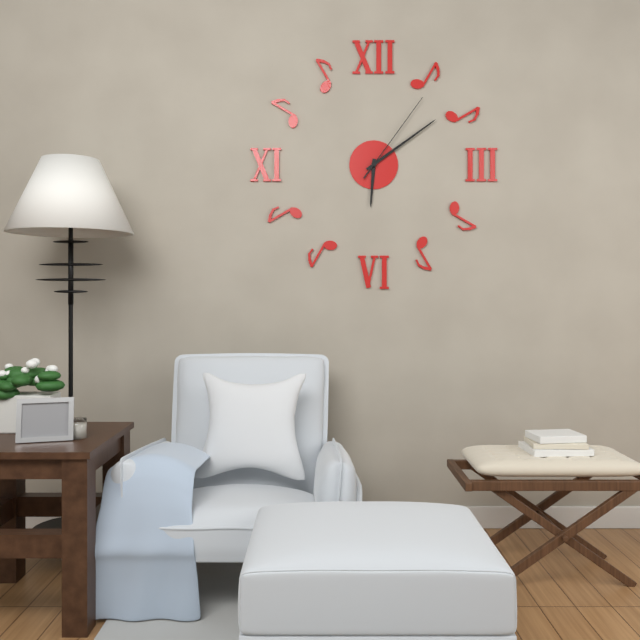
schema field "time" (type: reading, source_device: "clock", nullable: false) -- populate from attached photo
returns 6:09:06
